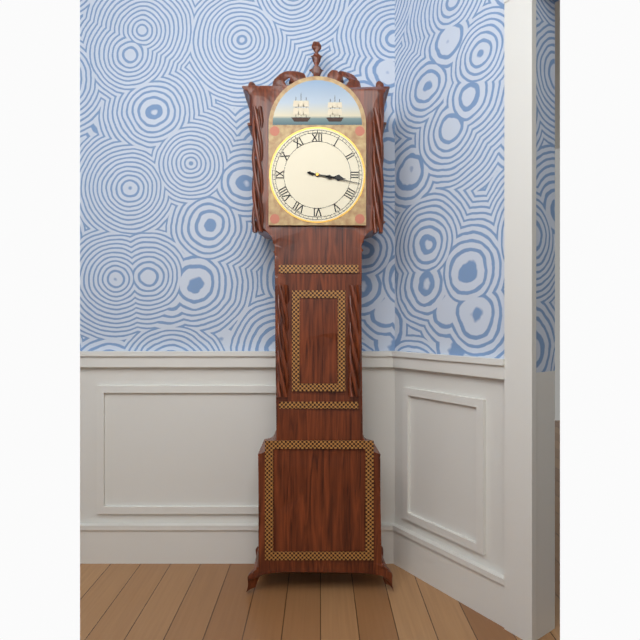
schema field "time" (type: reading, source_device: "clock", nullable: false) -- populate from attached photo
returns 3:17
